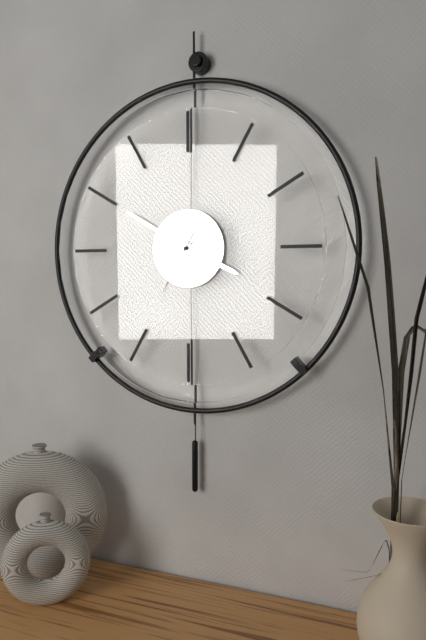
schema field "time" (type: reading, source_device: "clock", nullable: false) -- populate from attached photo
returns 3:50:35
